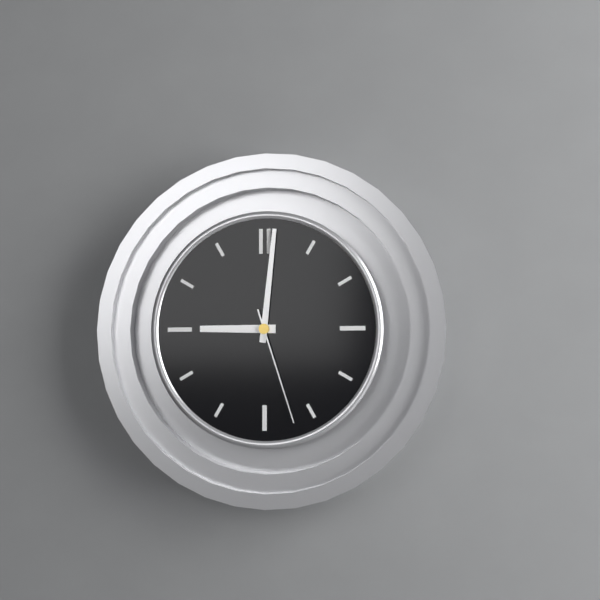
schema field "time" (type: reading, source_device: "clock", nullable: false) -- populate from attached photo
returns 9:01:27
